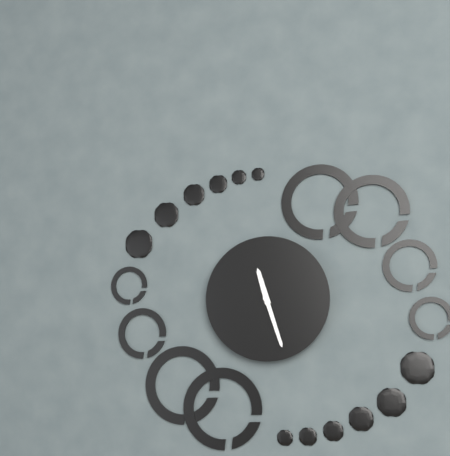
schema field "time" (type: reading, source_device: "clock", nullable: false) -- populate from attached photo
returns 11:27
